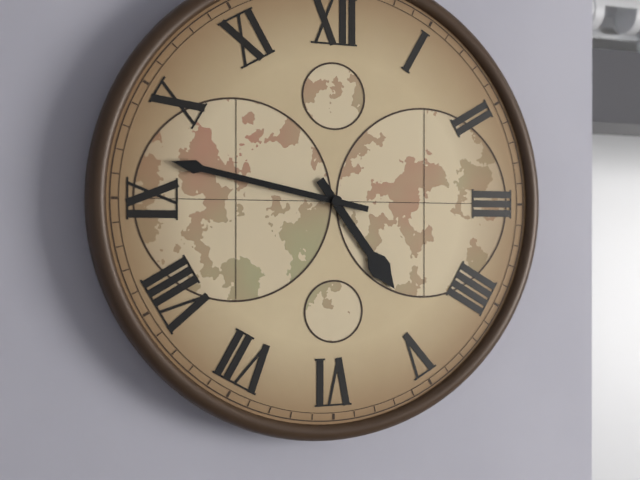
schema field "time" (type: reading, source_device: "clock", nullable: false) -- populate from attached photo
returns 4:47
